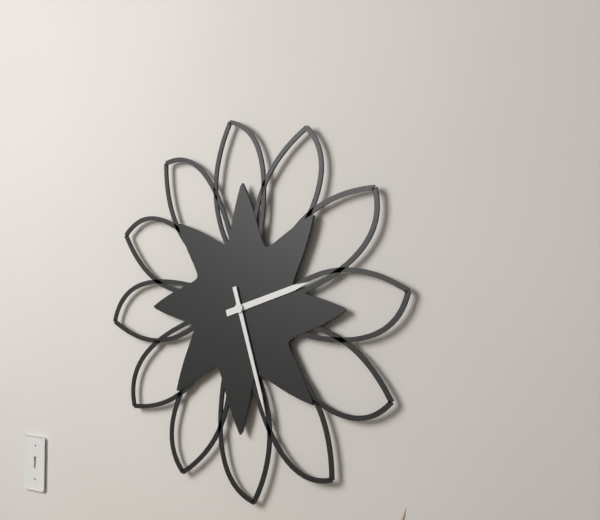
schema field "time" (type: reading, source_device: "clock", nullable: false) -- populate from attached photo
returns 2:27
